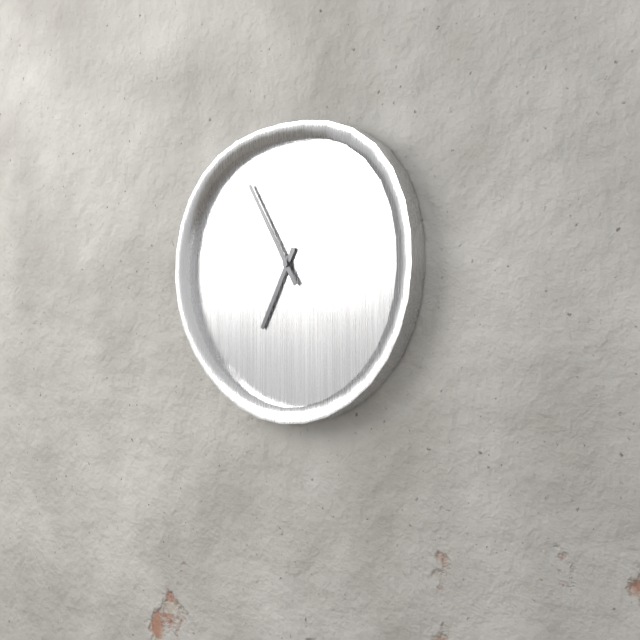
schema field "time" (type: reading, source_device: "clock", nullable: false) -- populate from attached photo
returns 6:55
